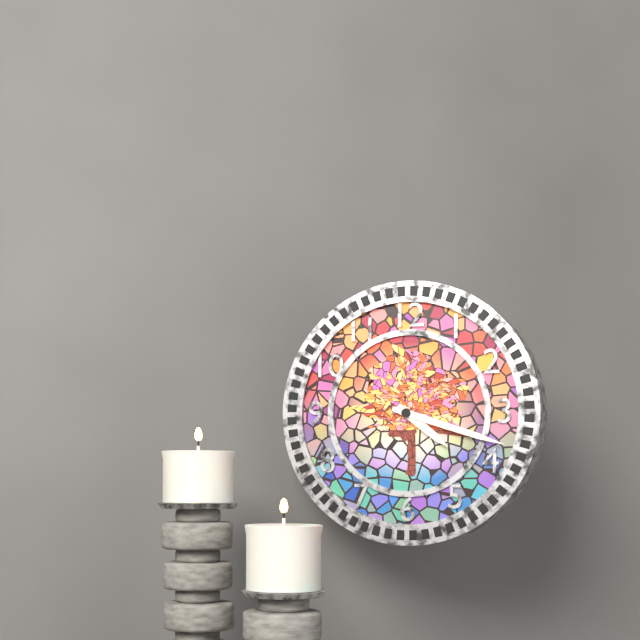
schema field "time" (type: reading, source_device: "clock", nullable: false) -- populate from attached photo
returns 4:18
